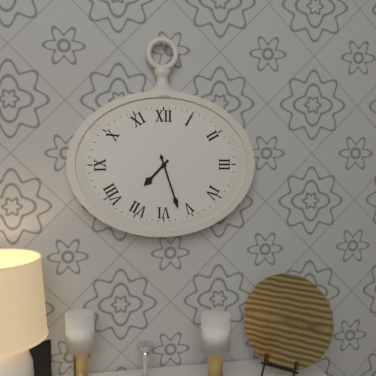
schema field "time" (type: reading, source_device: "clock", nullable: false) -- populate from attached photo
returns 7:27
